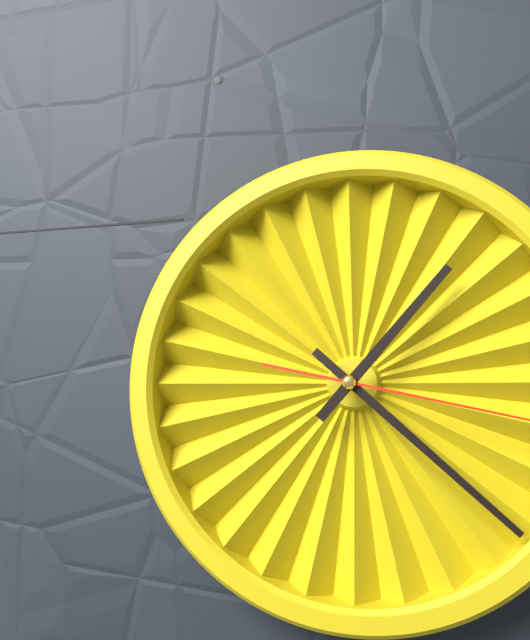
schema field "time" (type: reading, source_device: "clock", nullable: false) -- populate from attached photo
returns 1:22
